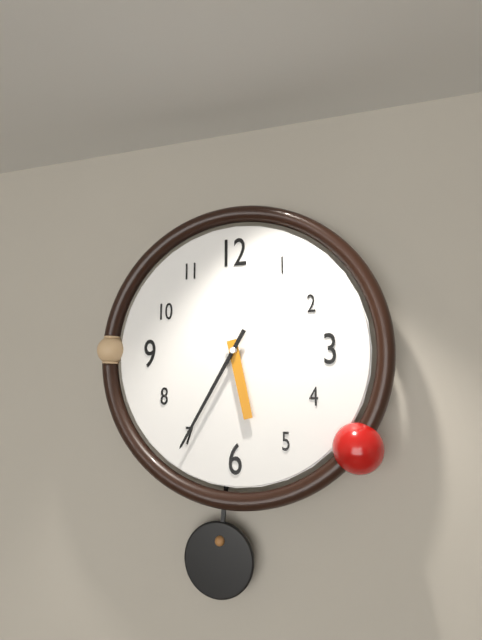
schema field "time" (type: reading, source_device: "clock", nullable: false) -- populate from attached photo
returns 5:35
